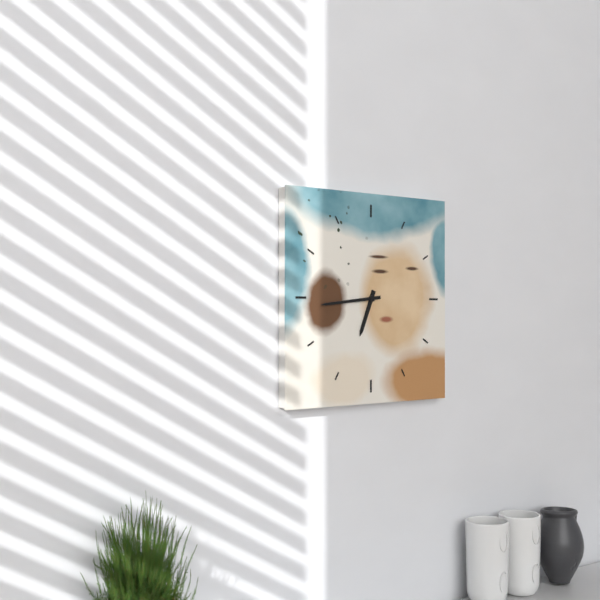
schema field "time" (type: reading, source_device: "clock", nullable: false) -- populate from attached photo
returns 6:44
